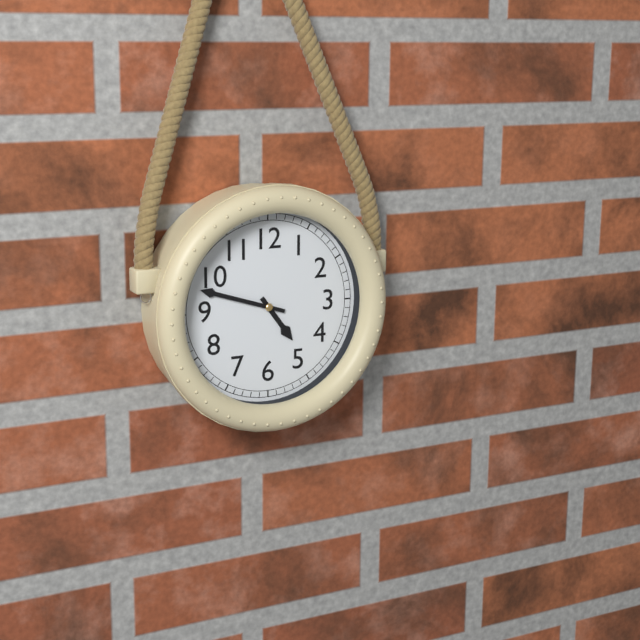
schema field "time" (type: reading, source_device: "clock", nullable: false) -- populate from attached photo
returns 4:48
